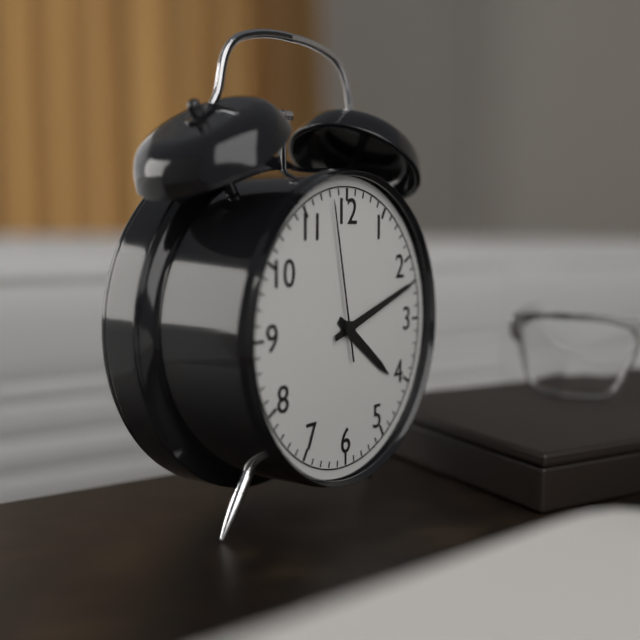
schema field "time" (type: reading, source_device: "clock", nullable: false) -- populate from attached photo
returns 4:12:58
